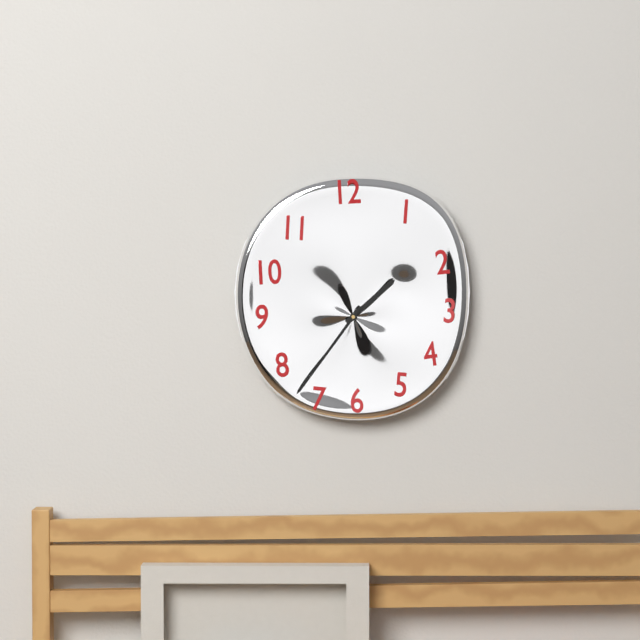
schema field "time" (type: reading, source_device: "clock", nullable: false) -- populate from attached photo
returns 1:36
